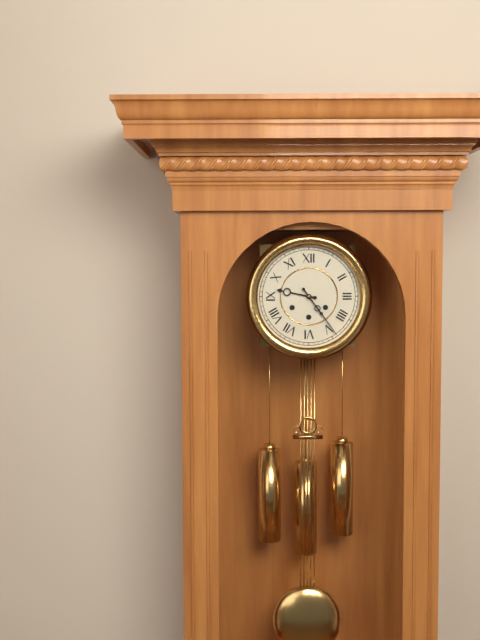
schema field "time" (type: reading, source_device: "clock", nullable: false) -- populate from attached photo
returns 9:24
